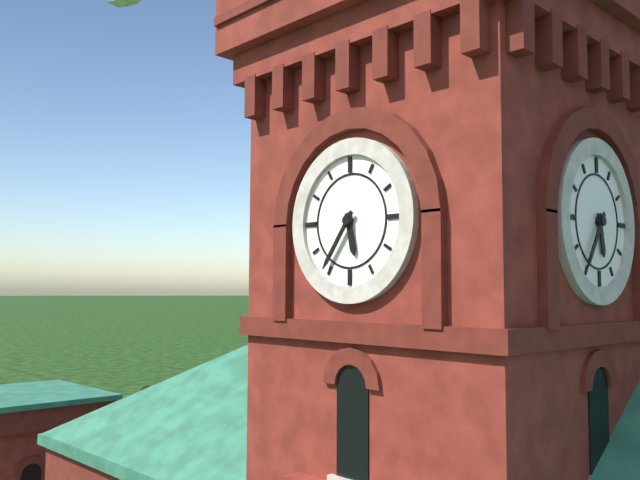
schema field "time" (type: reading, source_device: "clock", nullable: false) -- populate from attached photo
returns 5:36
